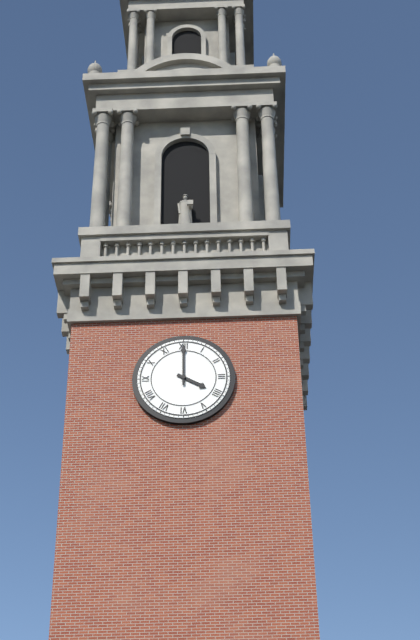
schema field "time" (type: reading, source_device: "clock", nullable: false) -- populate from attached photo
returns 4:00
